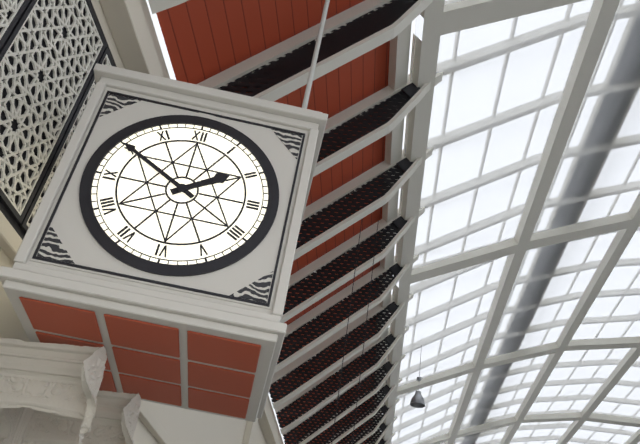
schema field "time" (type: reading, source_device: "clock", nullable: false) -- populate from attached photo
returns 1:50
